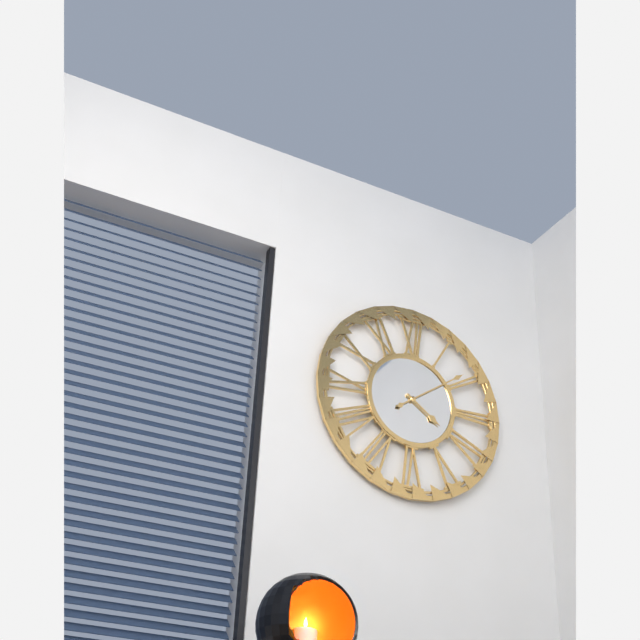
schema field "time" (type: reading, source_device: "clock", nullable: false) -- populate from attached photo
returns 4:09
